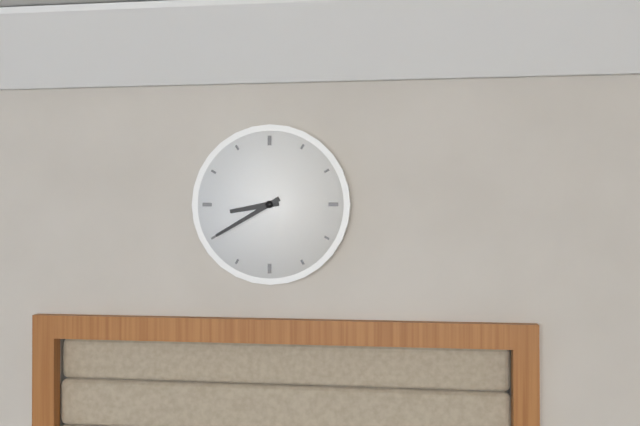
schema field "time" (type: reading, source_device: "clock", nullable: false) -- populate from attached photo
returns 8:40
